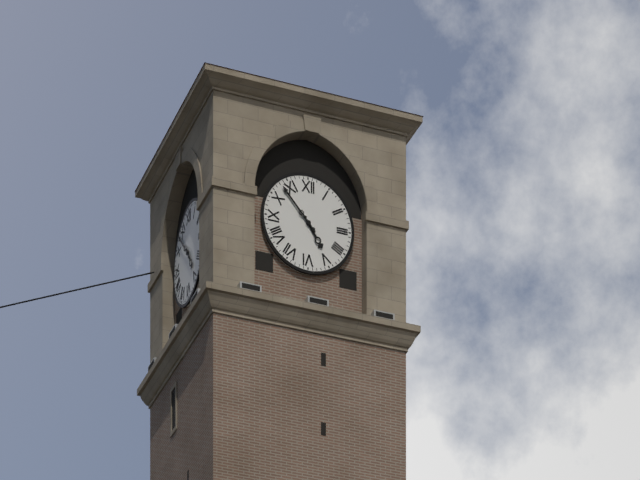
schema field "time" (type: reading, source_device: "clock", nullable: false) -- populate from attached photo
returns 4:53
